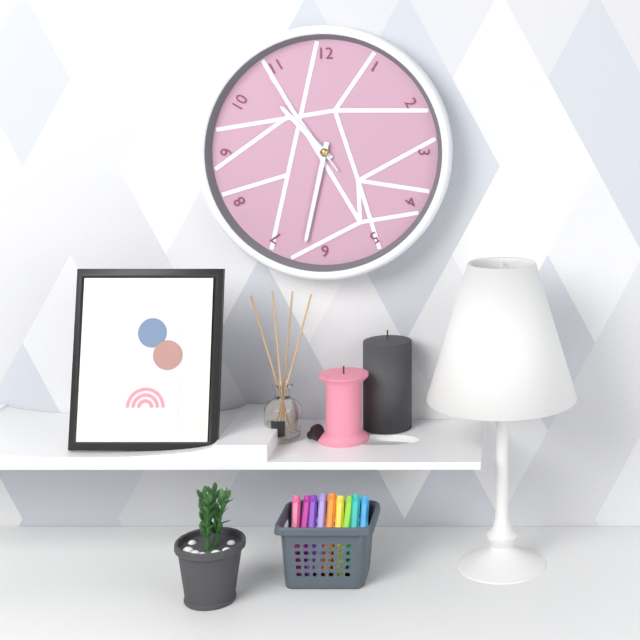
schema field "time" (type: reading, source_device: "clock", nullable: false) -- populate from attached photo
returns 10:32:54
